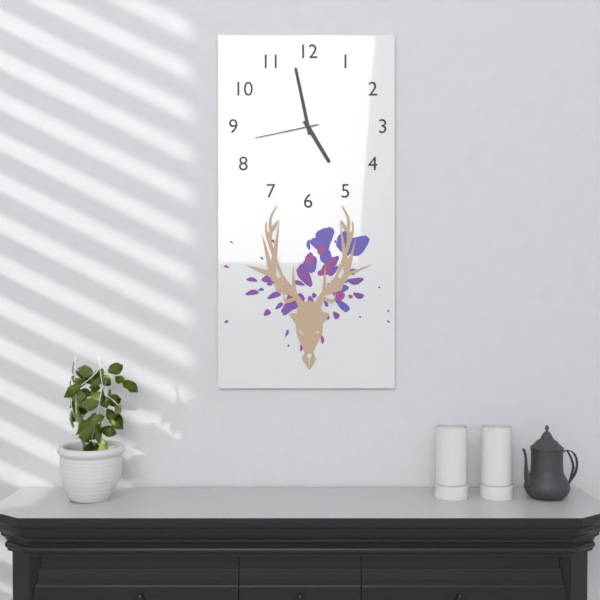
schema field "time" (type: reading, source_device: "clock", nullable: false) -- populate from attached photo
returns 4:58:43
